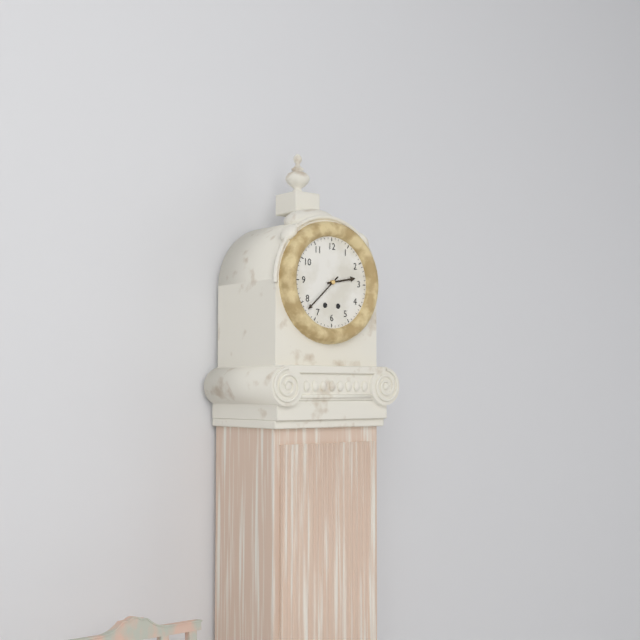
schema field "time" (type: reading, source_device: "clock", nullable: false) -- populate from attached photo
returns 2:38
